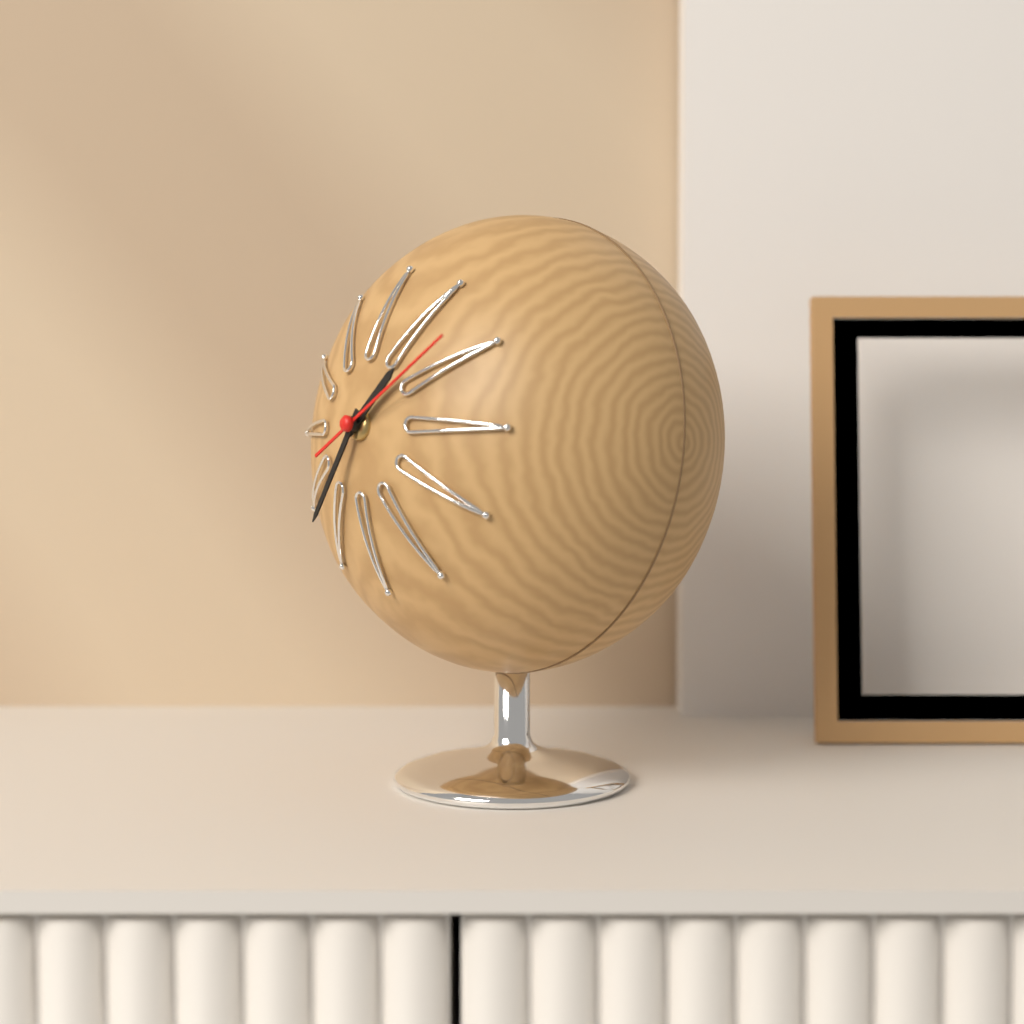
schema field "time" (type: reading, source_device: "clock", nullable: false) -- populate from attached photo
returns 1:35:10
